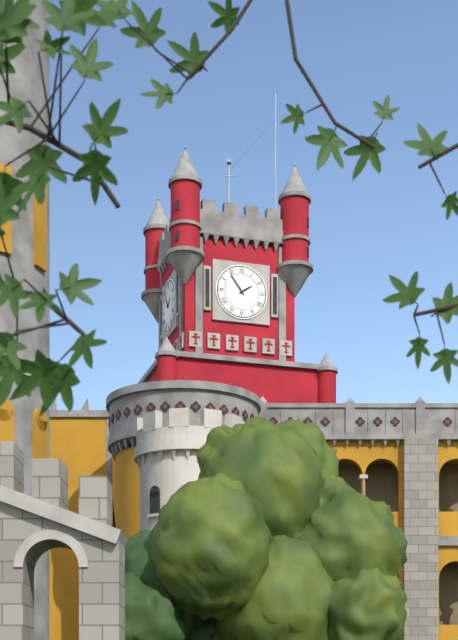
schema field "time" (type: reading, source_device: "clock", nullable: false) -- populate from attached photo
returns 1:54
